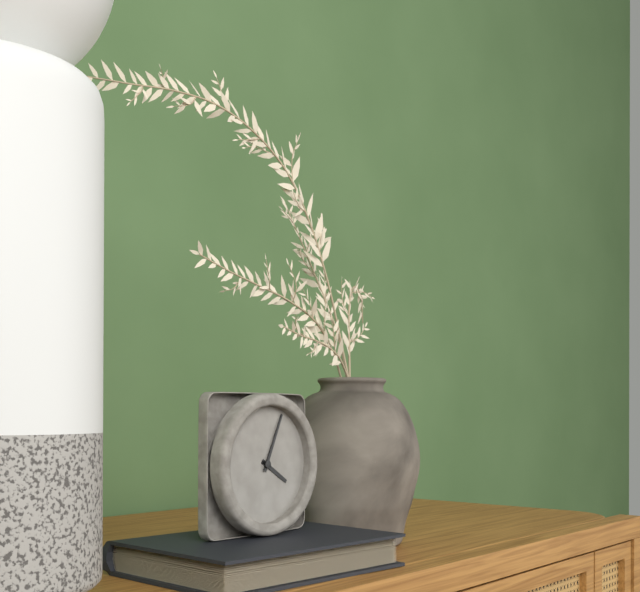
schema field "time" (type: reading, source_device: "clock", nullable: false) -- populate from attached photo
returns 4:04
